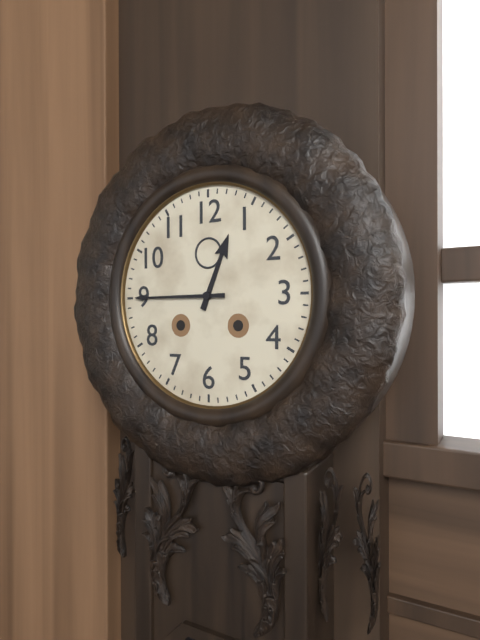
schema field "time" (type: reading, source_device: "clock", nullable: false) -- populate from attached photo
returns 12:45
